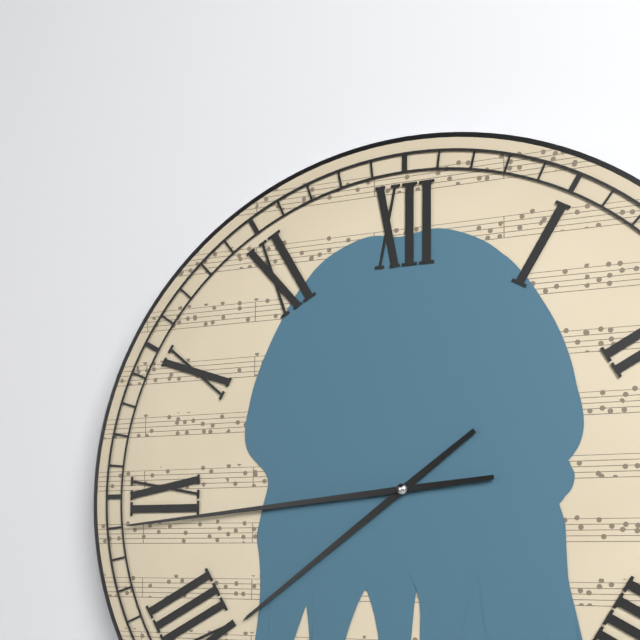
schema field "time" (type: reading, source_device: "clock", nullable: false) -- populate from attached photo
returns 7:44
